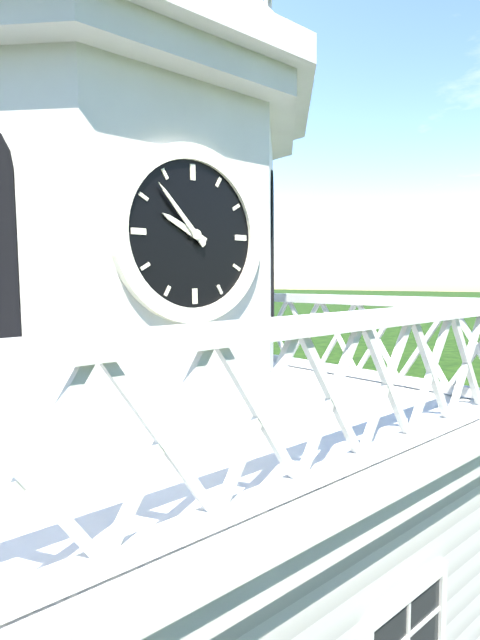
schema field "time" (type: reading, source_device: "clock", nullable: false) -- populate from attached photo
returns 9:53
